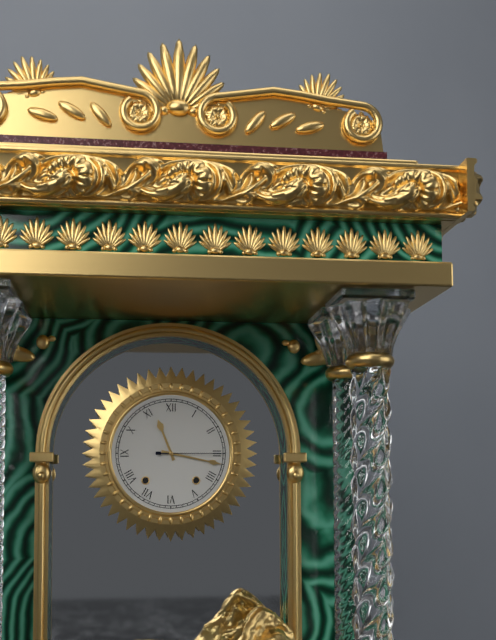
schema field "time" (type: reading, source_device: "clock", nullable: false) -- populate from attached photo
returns 11:17:15
